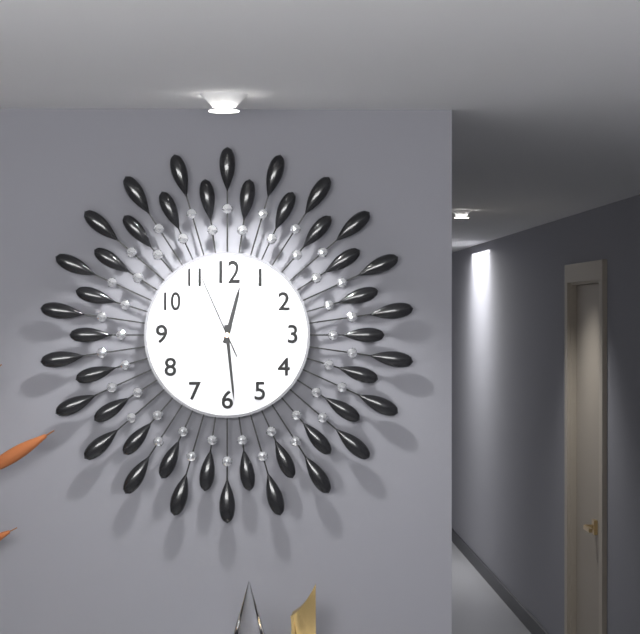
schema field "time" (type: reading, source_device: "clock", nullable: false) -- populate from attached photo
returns 12:29:56
